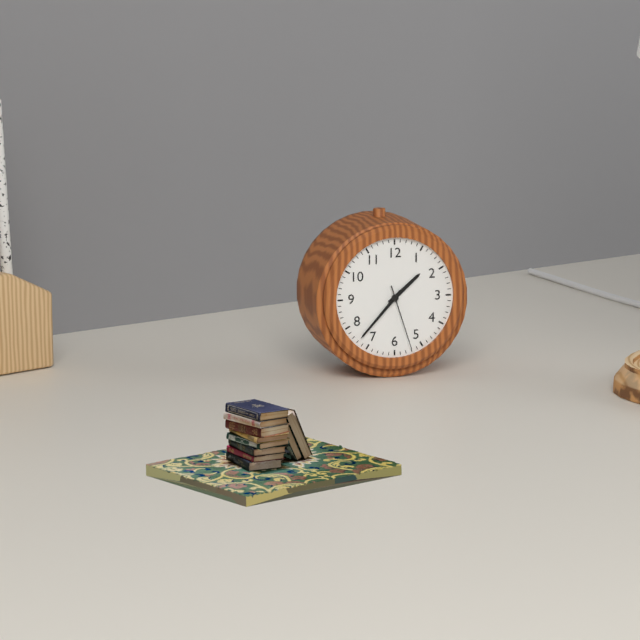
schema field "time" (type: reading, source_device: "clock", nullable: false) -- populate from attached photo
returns 1:37:27
